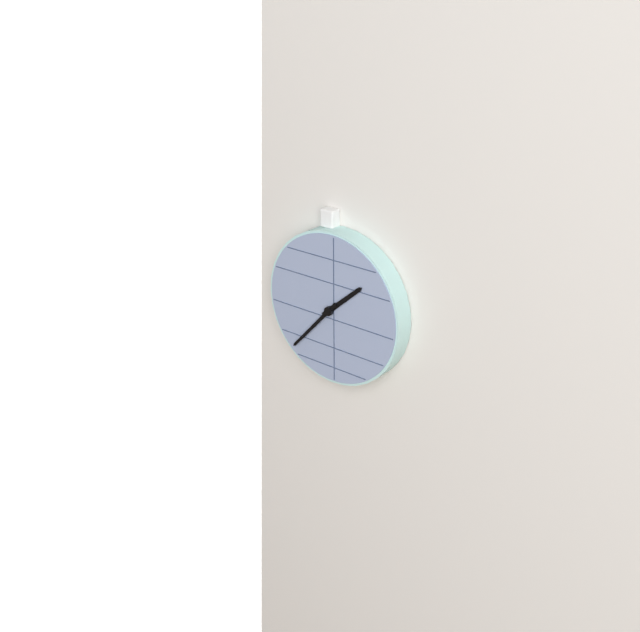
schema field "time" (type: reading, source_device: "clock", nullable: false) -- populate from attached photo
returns 1:37
